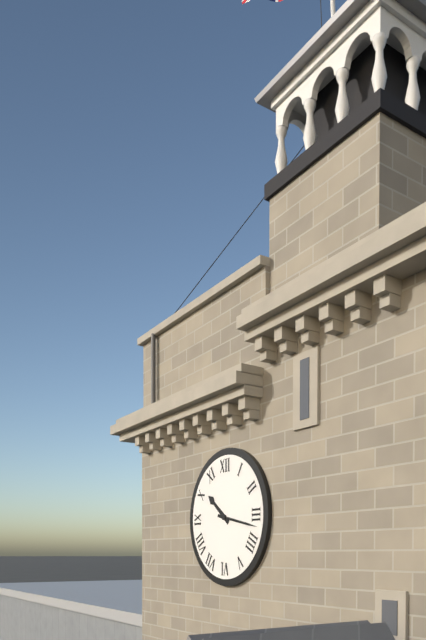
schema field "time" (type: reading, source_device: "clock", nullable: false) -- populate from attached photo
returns 10:17
